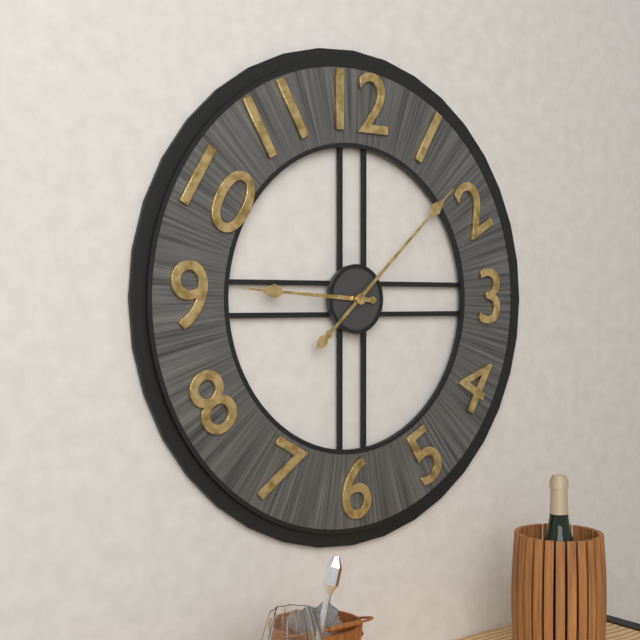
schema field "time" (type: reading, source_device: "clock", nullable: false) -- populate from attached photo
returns 9:08
